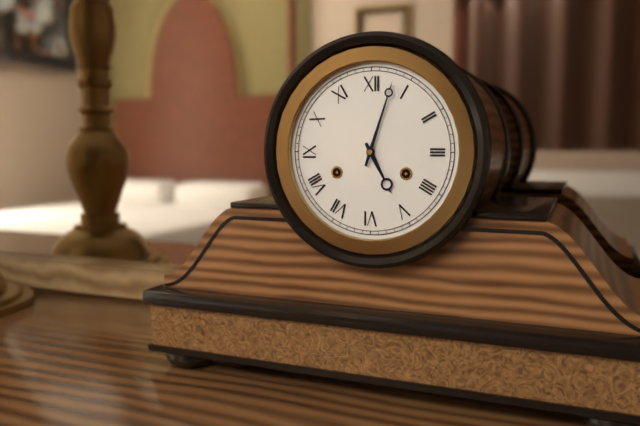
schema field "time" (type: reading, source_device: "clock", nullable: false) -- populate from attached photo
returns 5:03
